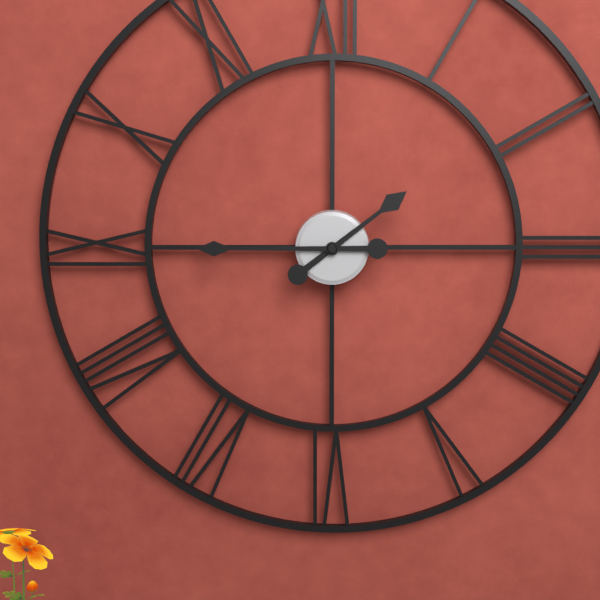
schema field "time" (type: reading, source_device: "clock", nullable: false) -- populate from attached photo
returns 1:45
